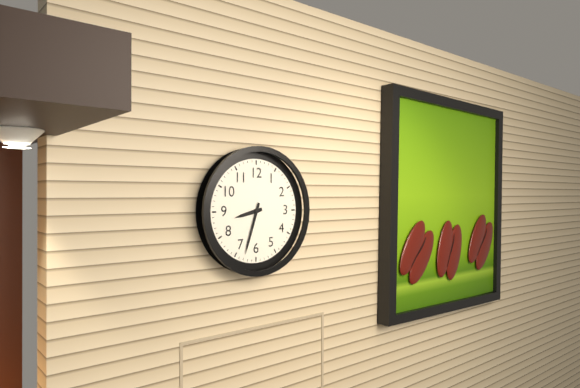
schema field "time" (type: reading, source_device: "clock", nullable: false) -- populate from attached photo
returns 8:33
